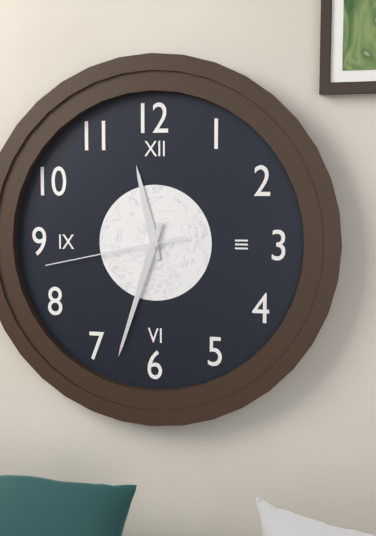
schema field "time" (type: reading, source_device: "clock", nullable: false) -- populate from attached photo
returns 11:33:43
